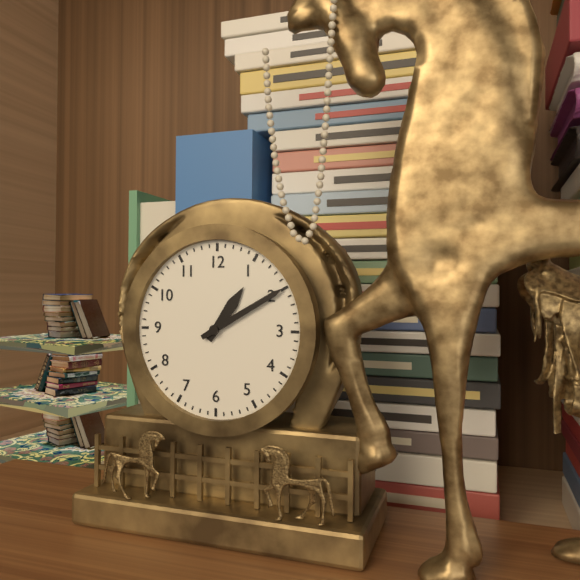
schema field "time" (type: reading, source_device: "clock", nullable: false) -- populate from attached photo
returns 1:10
